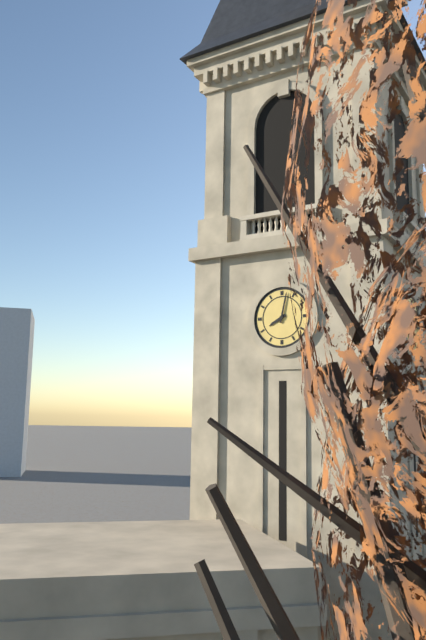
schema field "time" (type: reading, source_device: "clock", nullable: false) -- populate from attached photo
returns 8:02
